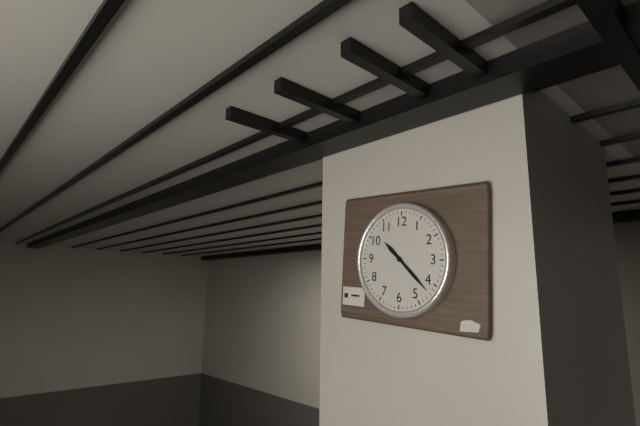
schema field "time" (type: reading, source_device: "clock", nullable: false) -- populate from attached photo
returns 10:22
